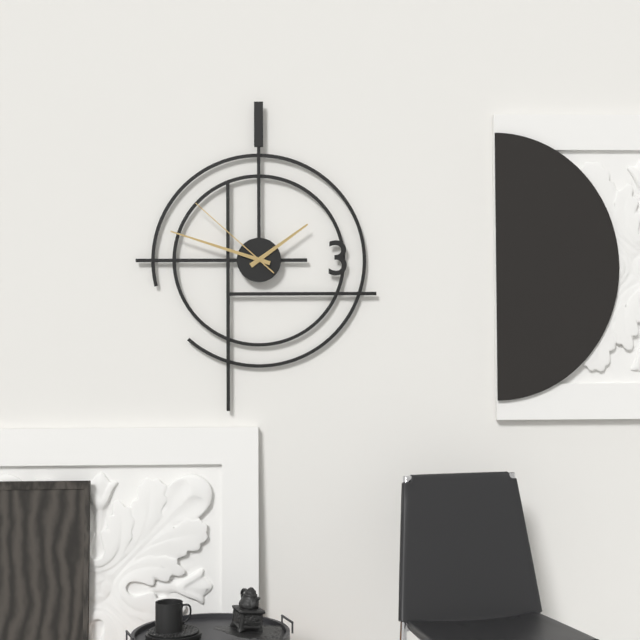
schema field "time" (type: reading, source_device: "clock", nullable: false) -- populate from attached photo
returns 1:48:52
